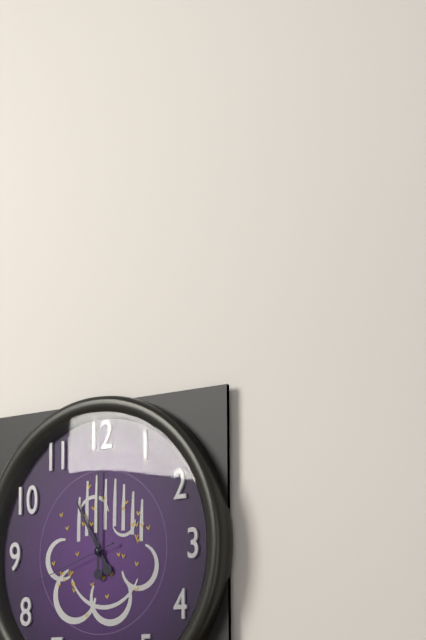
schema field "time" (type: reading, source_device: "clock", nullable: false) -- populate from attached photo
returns 11:00:42
